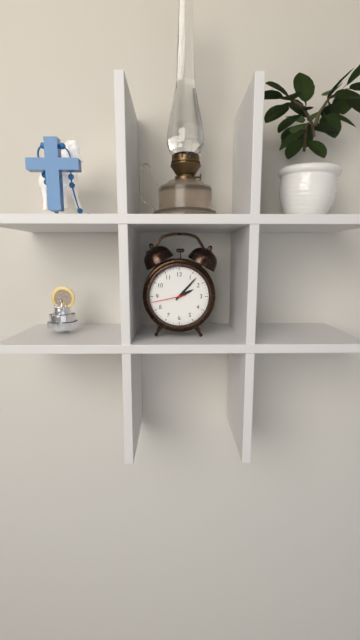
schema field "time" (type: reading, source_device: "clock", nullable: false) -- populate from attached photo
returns 2:07
